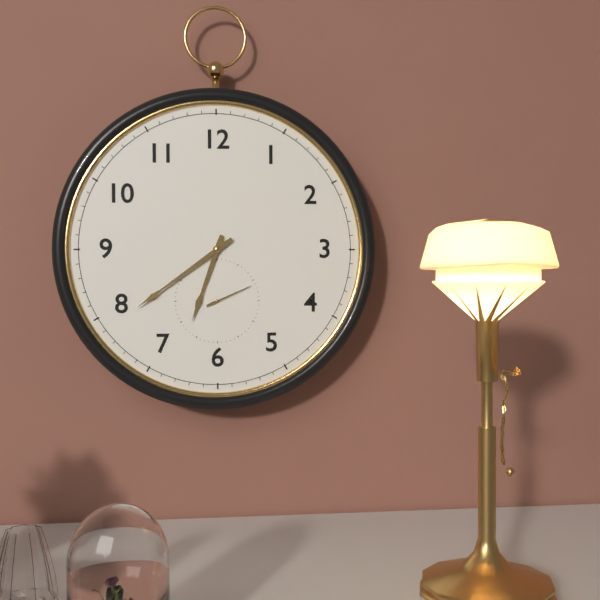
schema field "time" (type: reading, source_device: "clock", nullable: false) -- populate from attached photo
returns 6:39
